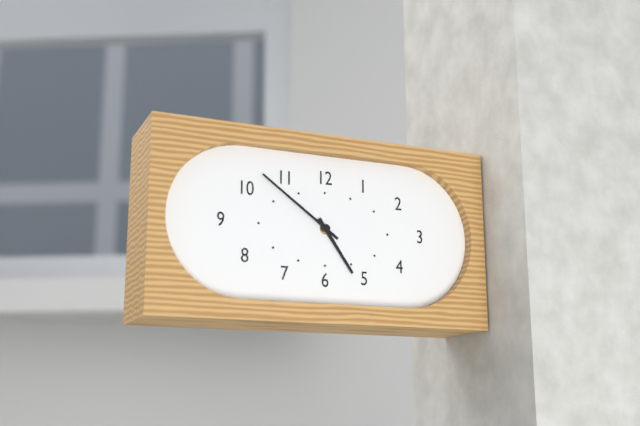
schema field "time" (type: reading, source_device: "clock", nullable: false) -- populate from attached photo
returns 4:51
